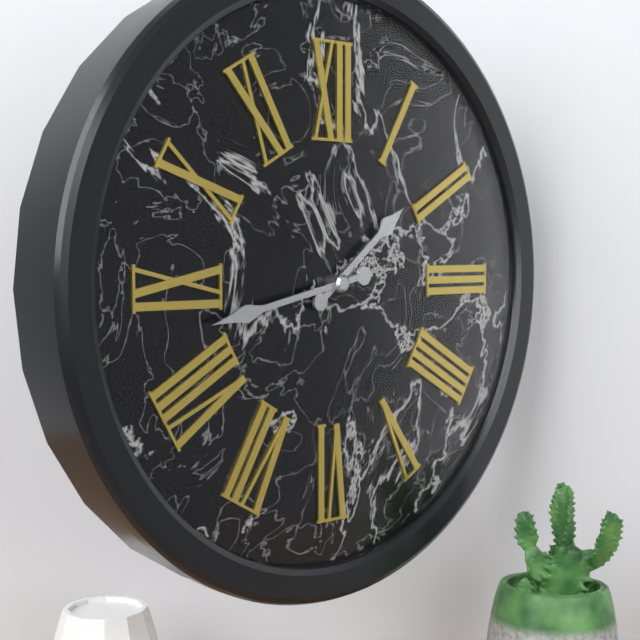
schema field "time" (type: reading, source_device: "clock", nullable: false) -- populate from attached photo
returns 1:43
